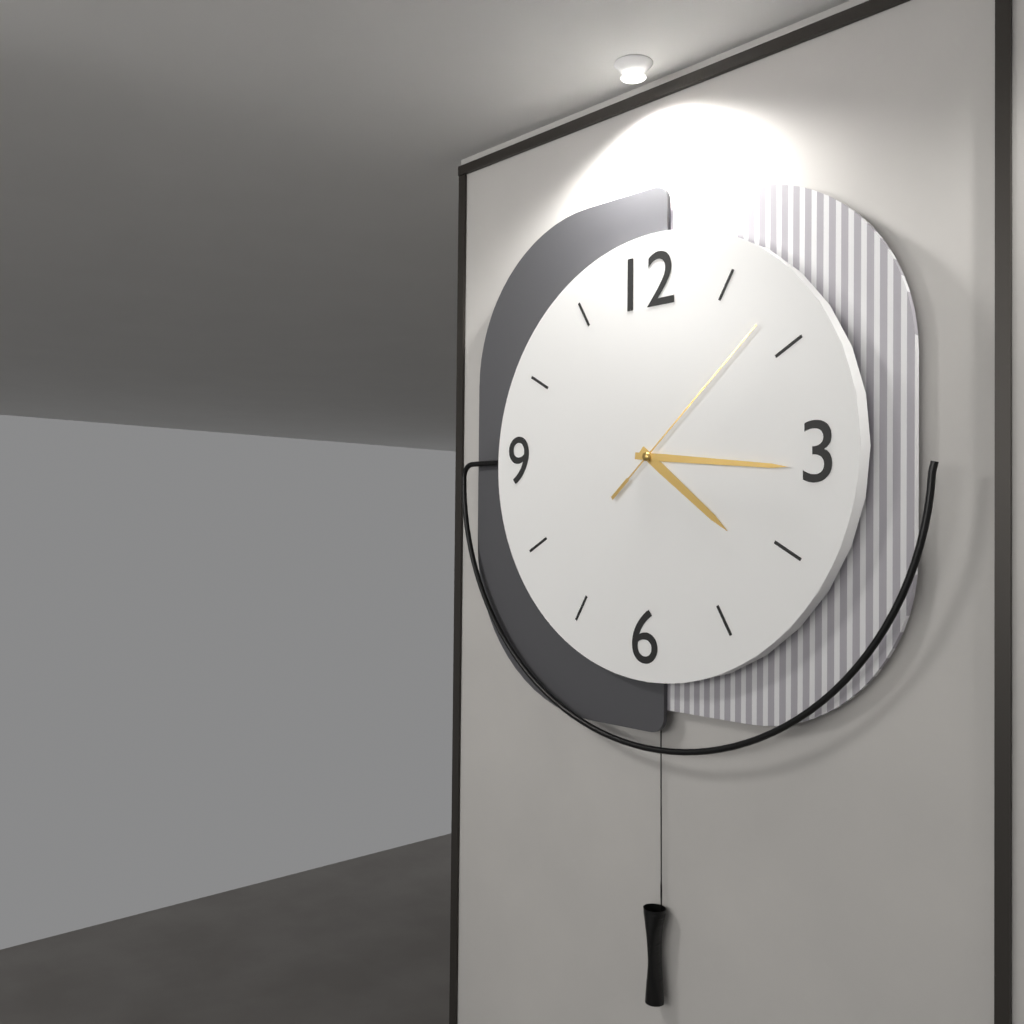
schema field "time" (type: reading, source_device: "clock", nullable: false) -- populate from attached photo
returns 4:16:08
